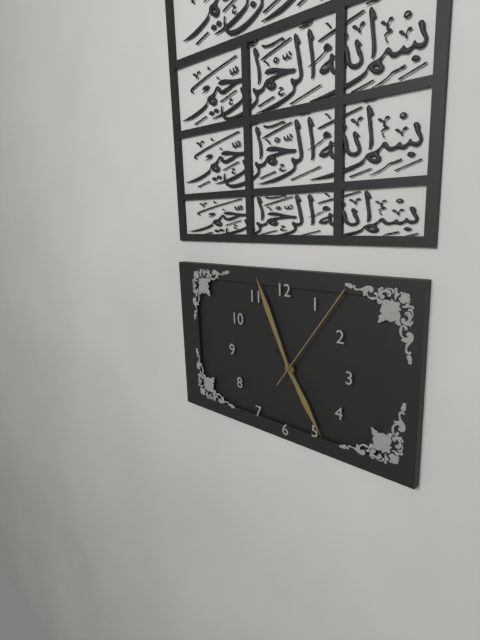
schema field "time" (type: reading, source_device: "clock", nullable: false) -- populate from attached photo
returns 4:56:06
